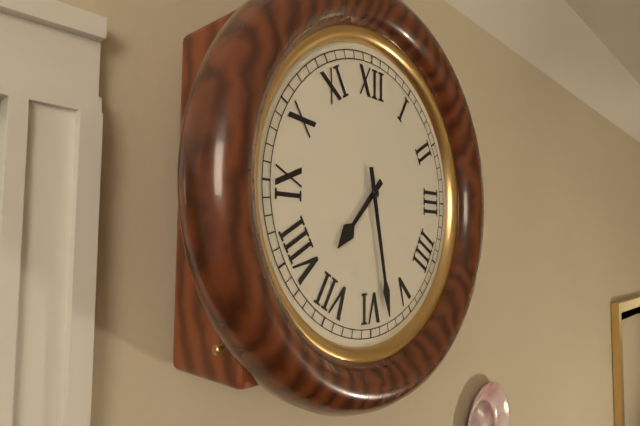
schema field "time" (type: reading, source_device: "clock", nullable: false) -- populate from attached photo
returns 7:28
